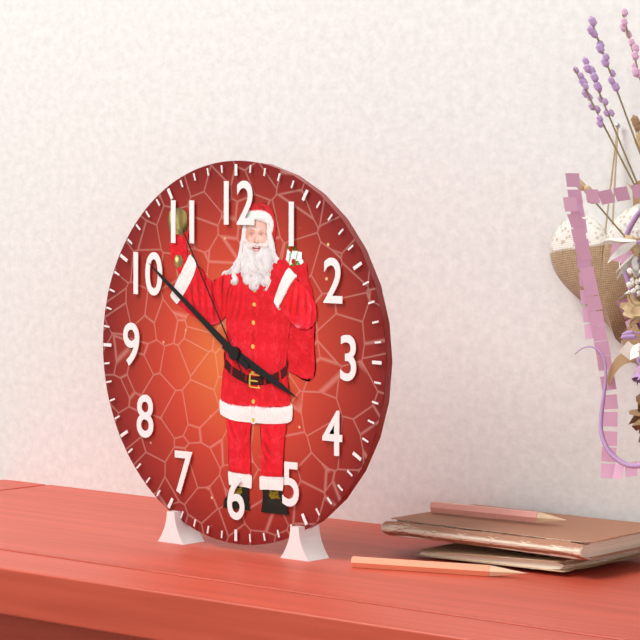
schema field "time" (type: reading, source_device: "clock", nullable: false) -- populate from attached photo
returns 3:51:55
